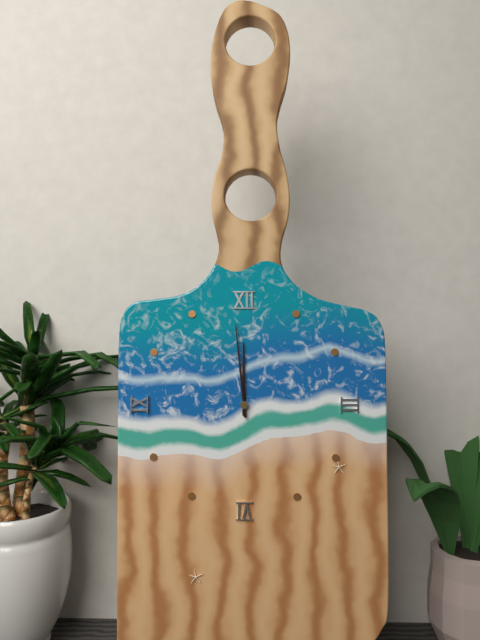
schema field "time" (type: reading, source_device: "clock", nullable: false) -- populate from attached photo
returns 11:59
